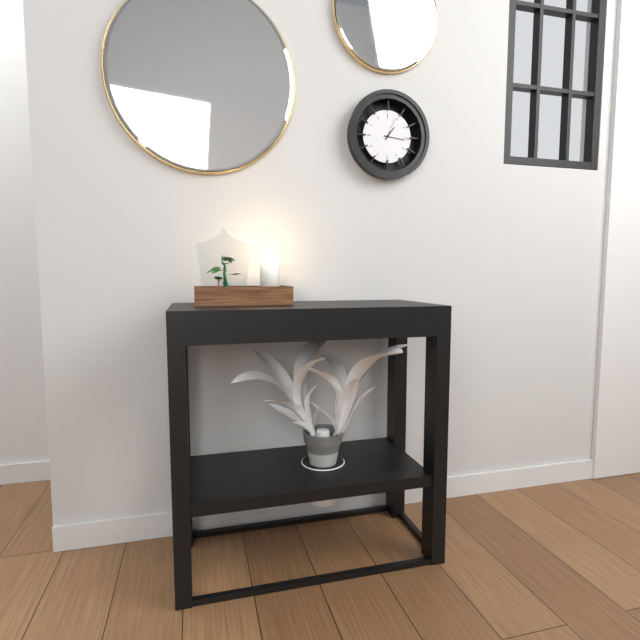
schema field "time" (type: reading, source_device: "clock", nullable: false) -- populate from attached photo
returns 1:16
